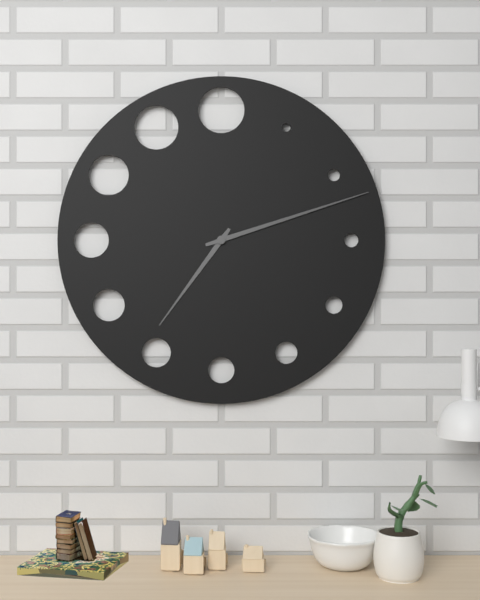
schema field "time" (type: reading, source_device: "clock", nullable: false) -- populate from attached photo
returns 7:12
